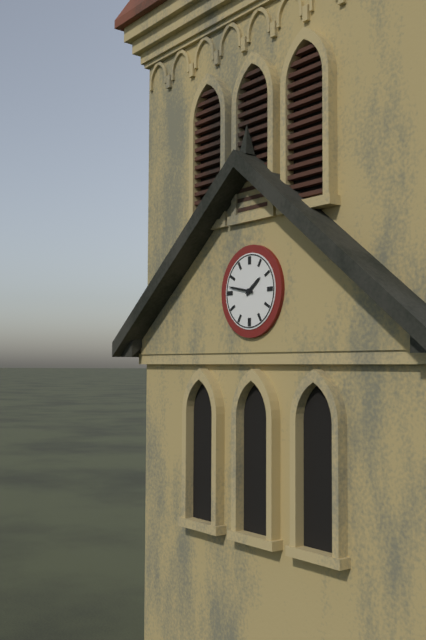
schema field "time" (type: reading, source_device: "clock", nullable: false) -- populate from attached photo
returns 1:47
